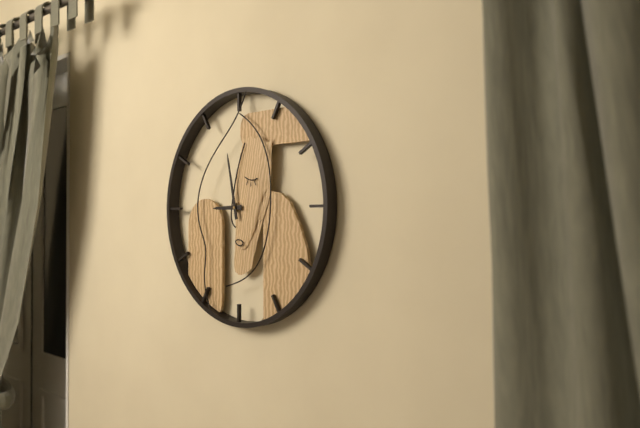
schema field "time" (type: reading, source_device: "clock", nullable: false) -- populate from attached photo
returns 8:58
